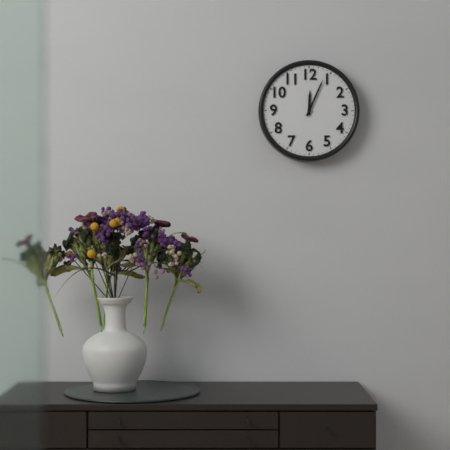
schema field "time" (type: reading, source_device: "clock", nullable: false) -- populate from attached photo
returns 12:04
